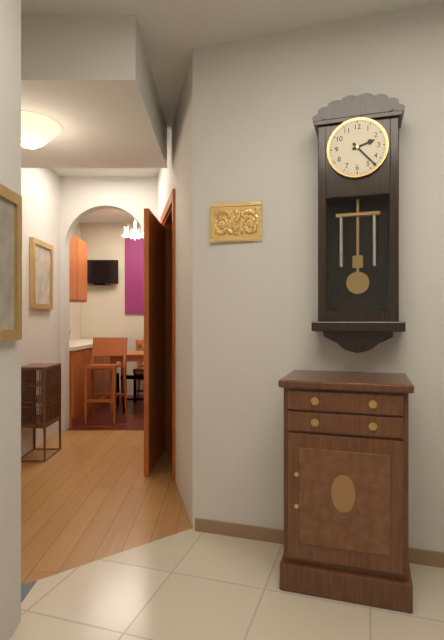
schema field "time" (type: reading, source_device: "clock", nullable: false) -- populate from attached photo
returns 2:23
